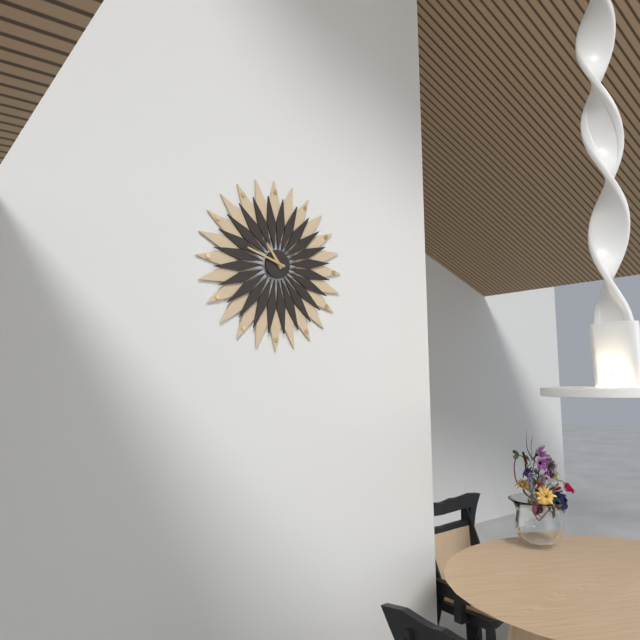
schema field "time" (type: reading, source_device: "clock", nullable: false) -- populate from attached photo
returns 10:48
